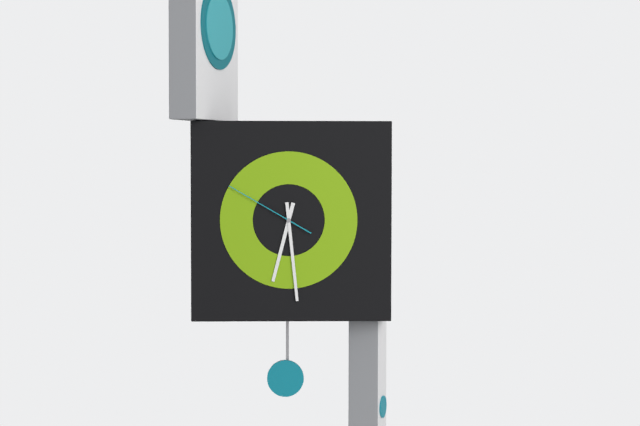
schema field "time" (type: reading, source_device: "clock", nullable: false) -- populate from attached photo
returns 6:29:50
